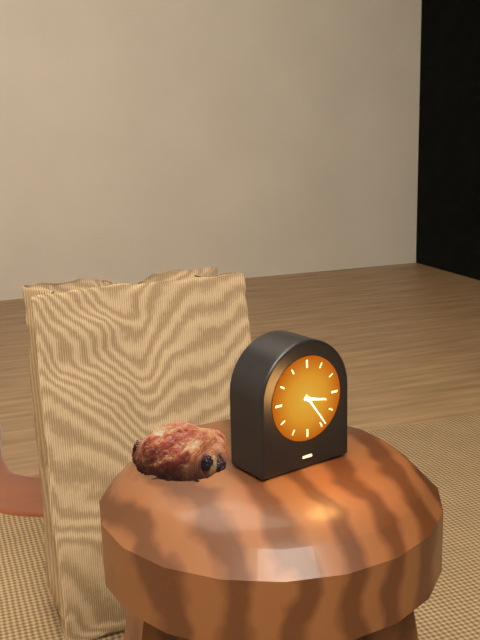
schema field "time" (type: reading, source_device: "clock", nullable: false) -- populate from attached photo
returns 3:24
